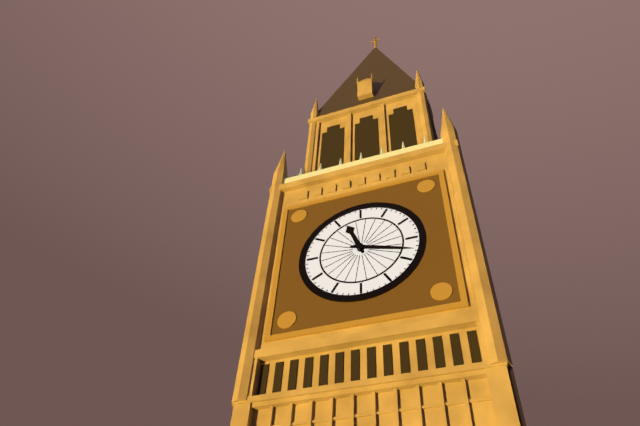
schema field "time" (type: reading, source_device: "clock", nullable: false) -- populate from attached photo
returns 11:18
